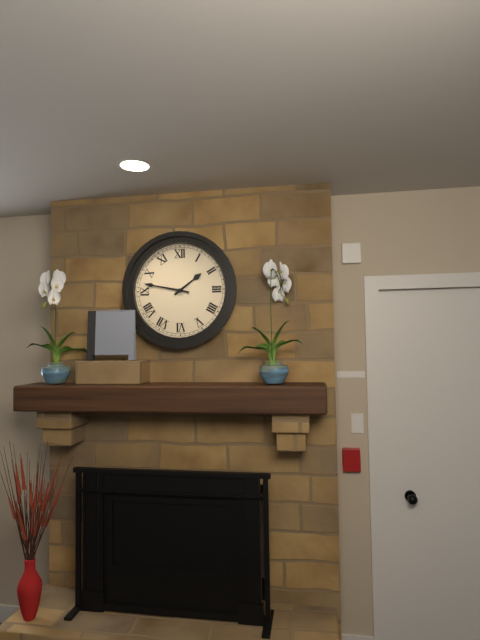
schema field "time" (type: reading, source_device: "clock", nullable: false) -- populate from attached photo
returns 1:47
